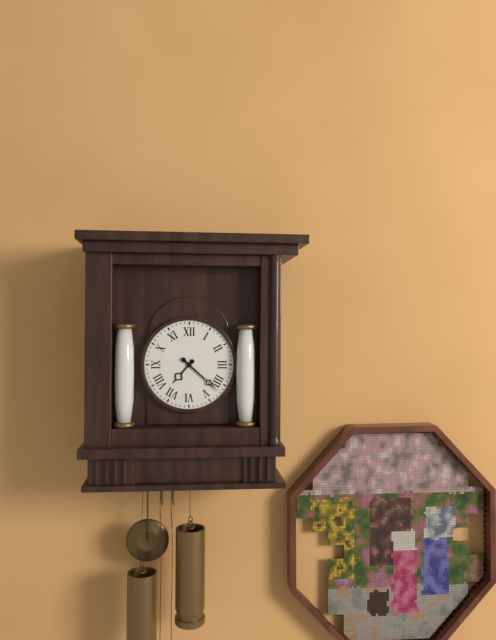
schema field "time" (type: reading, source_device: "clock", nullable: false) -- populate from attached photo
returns 7:22
